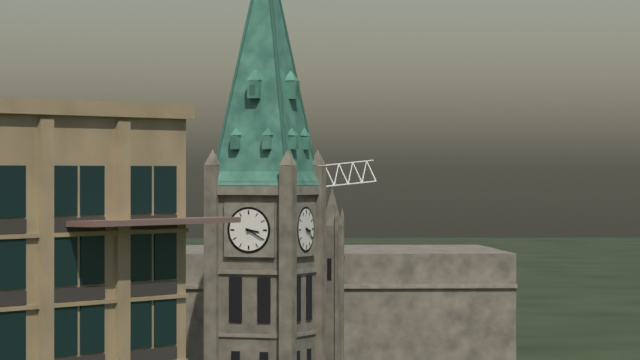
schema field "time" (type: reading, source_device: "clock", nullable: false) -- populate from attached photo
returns 3:20
